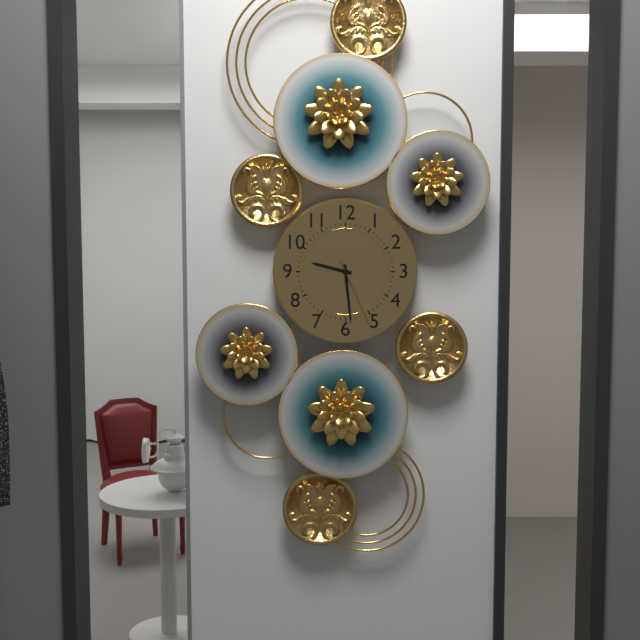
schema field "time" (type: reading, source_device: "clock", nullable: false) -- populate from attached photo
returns 9:29:26
